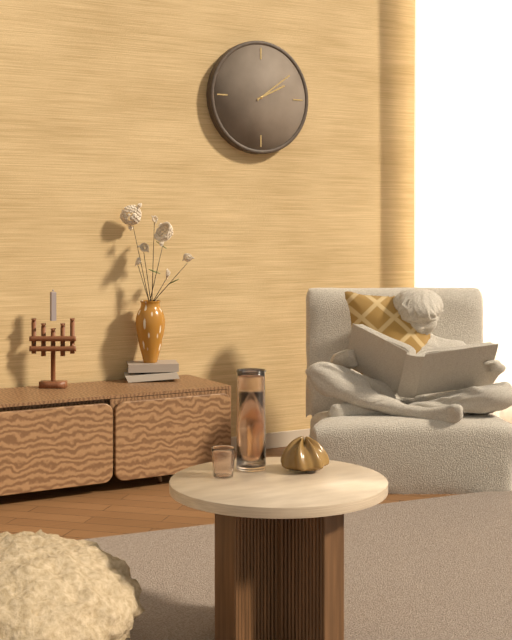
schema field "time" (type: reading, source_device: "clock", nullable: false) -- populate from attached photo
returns 2:09
